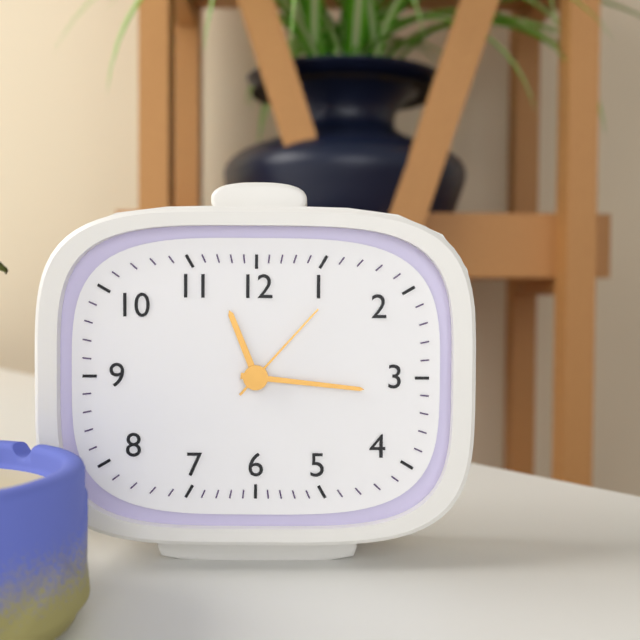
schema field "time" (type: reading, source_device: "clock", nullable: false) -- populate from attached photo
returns 11:16:07
